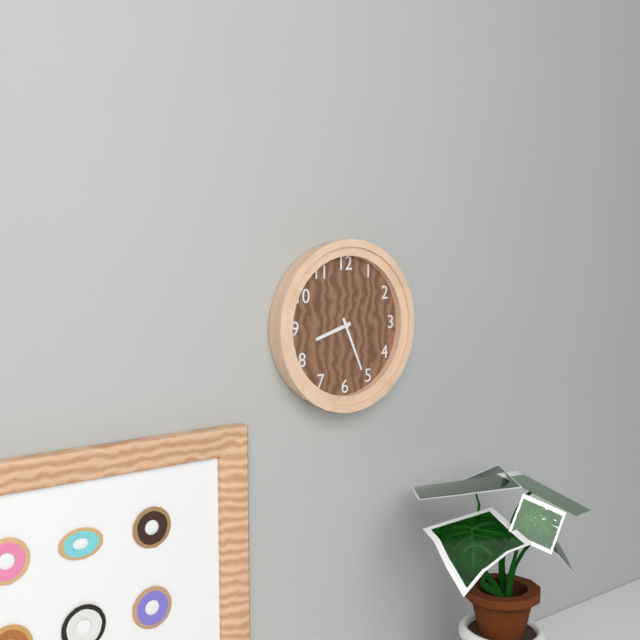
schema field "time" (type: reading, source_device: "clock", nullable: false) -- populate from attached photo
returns 8:26
